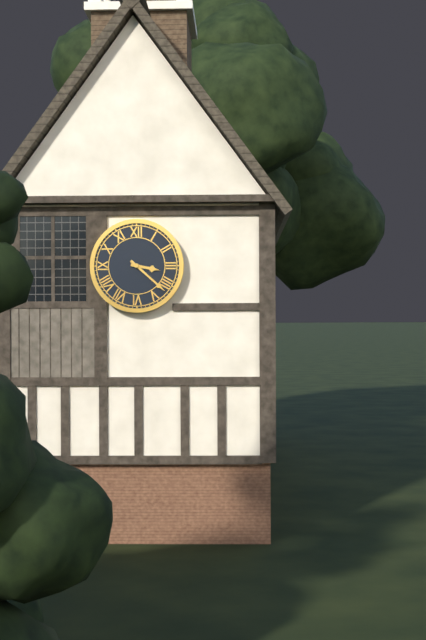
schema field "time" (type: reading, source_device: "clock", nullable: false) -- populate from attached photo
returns 3:22
